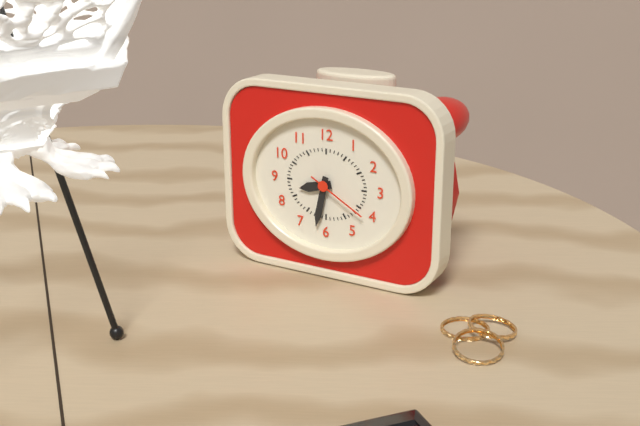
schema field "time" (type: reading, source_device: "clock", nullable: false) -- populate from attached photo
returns 8:32:20
